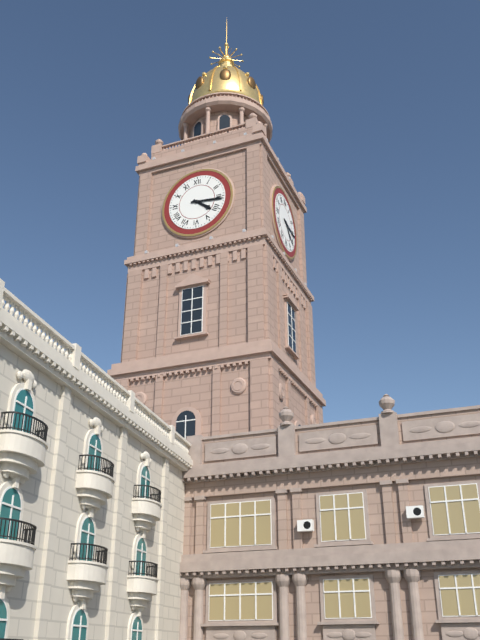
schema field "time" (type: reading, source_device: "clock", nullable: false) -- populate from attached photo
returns 4:16
